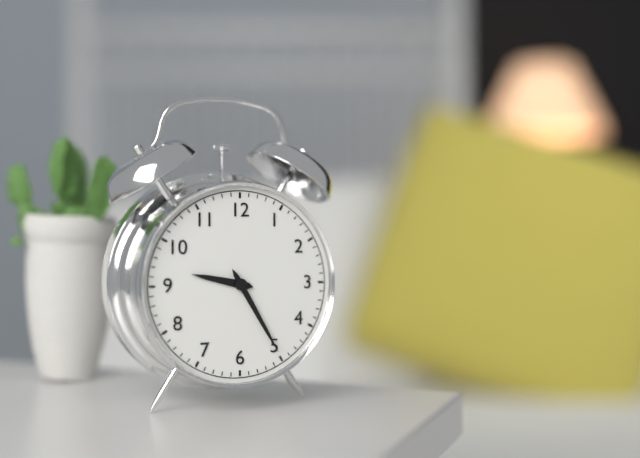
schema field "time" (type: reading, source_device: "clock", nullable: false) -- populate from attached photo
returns 9:25
